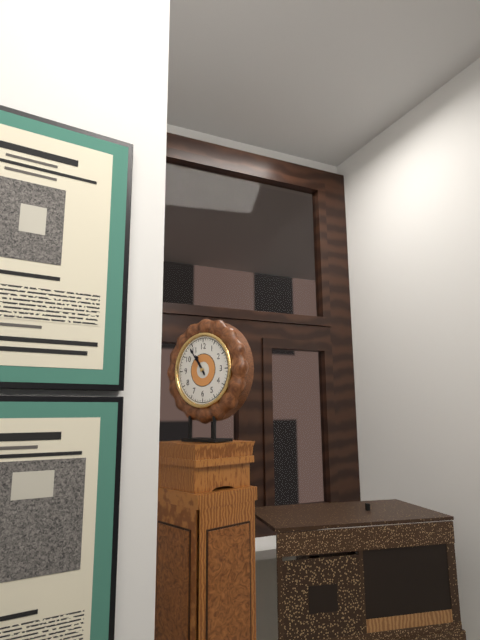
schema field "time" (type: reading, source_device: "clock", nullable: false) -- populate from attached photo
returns 10:54
